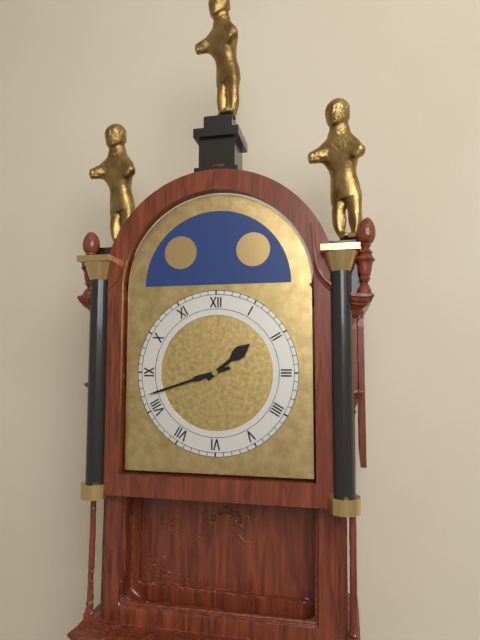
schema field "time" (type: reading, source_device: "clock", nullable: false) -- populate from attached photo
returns 1:42
